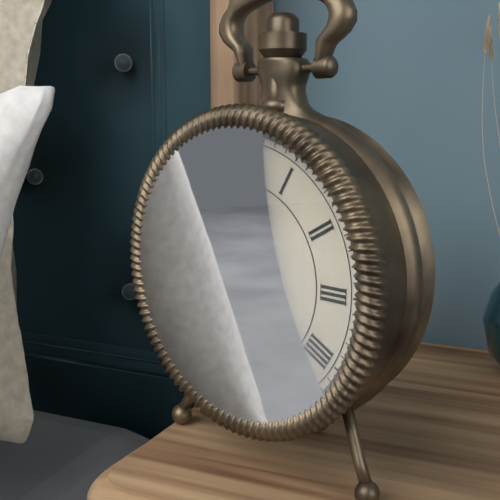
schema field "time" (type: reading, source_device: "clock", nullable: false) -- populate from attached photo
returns 8:57
